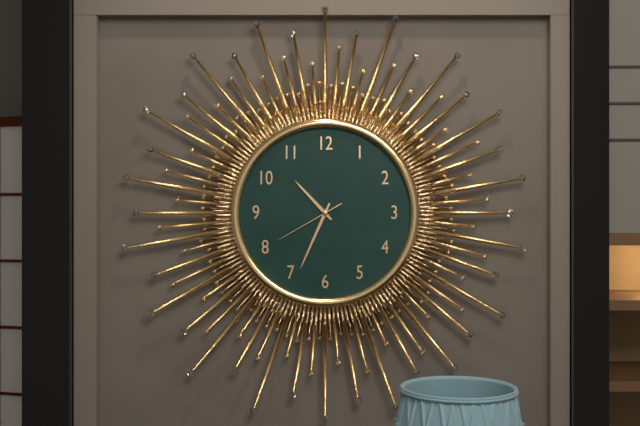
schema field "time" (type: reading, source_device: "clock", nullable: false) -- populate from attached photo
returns 10:34:40
